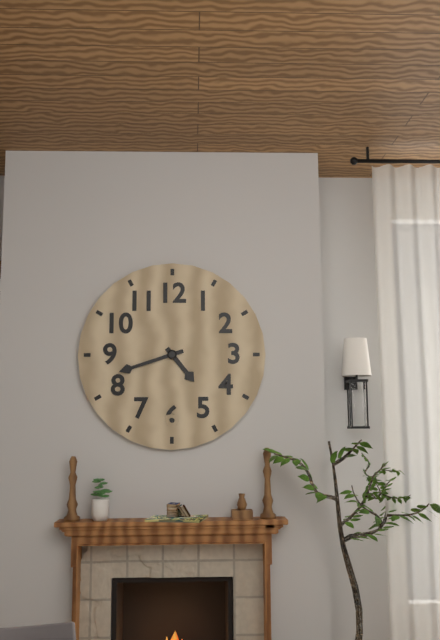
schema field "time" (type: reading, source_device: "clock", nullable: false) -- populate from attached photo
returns 4:42
